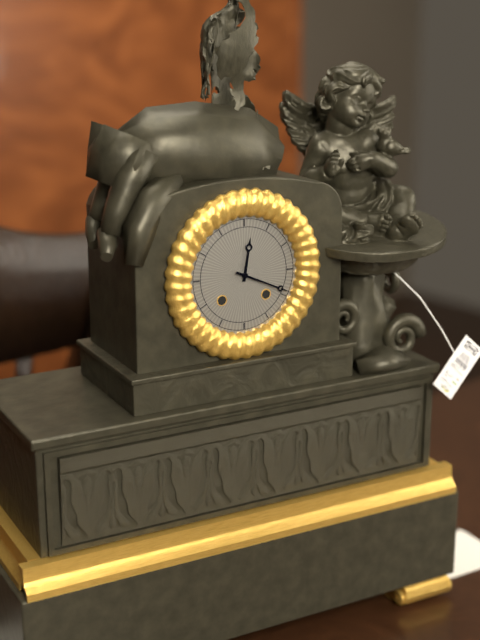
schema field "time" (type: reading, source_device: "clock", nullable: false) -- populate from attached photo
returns 12:19
